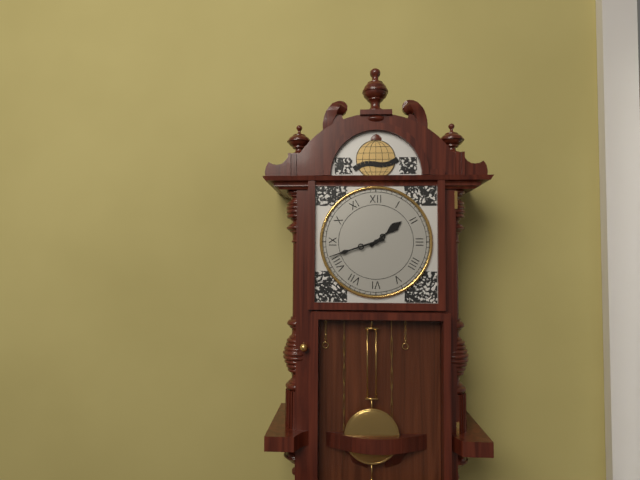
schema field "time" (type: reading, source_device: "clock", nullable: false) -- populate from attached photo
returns 1:42
